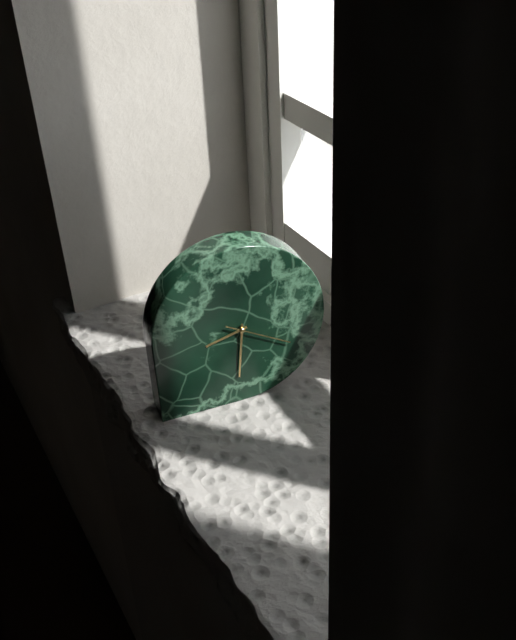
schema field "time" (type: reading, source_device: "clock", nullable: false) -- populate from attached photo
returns 8:31:20
